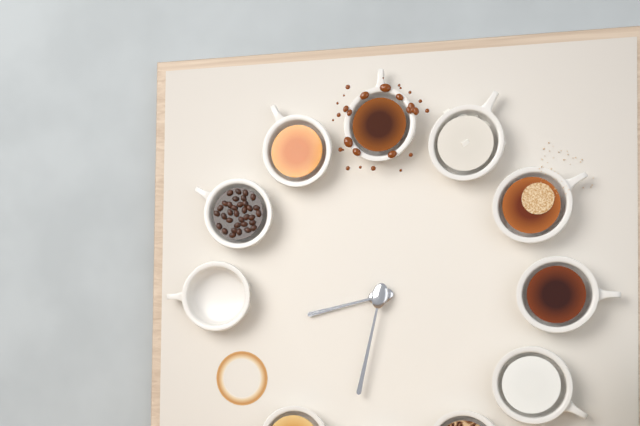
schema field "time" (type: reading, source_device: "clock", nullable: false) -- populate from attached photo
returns 8:32
